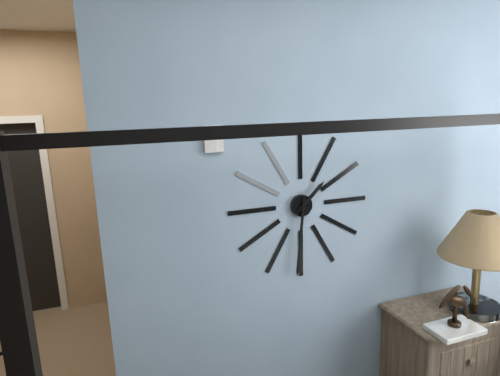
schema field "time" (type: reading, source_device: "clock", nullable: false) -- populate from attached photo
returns 1:31
